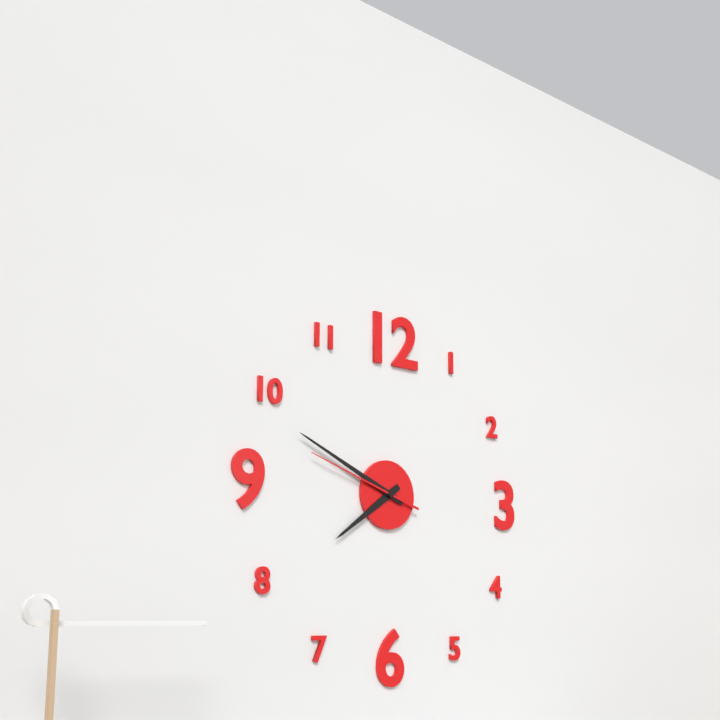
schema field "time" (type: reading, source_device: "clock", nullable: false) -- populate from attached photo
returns 7:49:48
